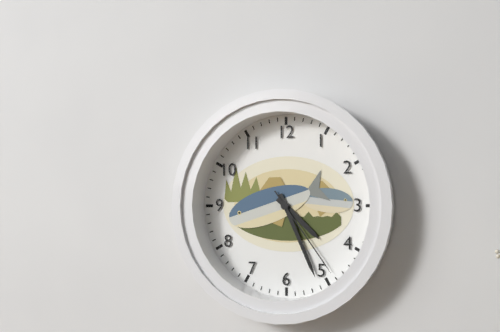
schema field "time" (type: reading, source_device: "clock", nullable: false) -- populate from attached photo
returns 4:26:24
